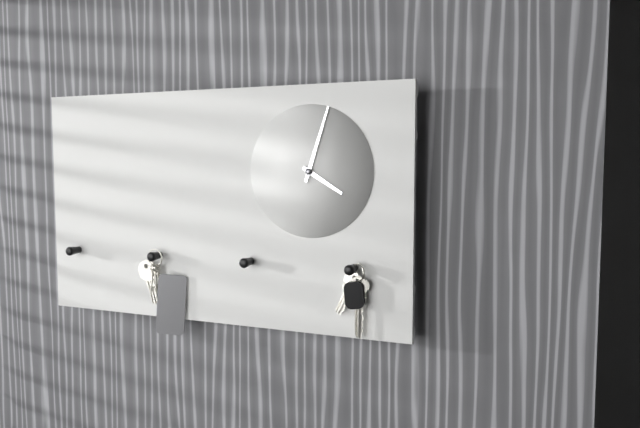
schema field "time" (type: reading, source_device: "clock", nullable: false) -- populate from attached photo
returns 4:03
